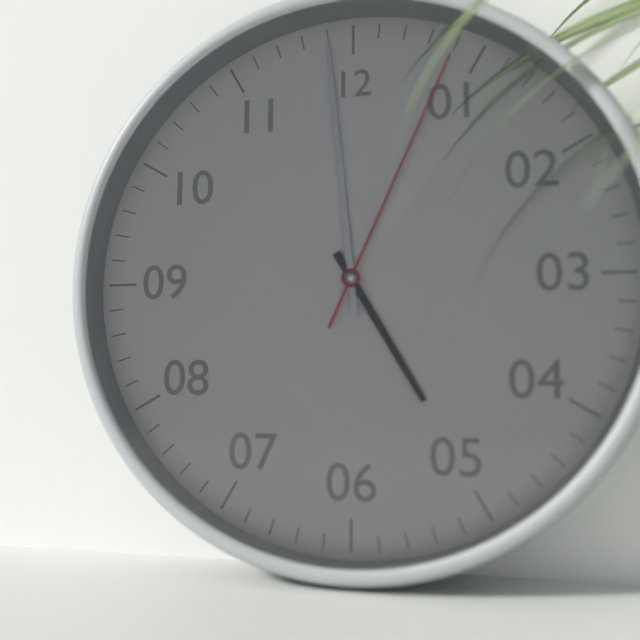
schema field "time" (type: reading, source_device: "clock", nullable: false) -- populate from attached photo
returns 4:59:04
